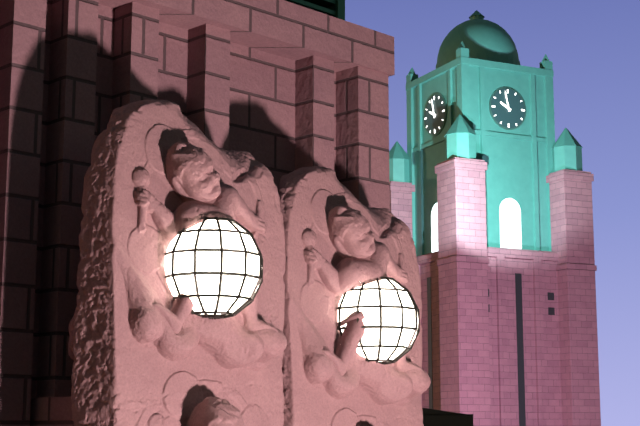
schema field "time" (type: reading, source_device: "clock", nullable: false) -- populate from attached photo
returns 9:58
